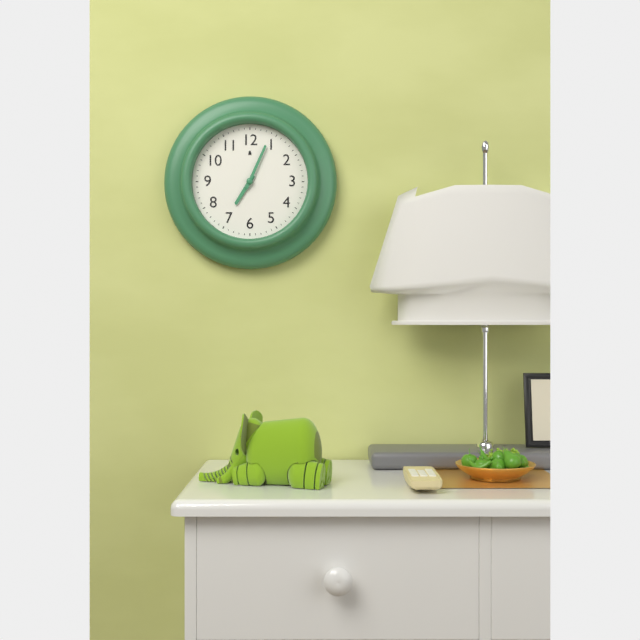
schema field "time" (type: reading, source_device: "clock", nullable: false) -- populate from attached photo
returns 7:04
